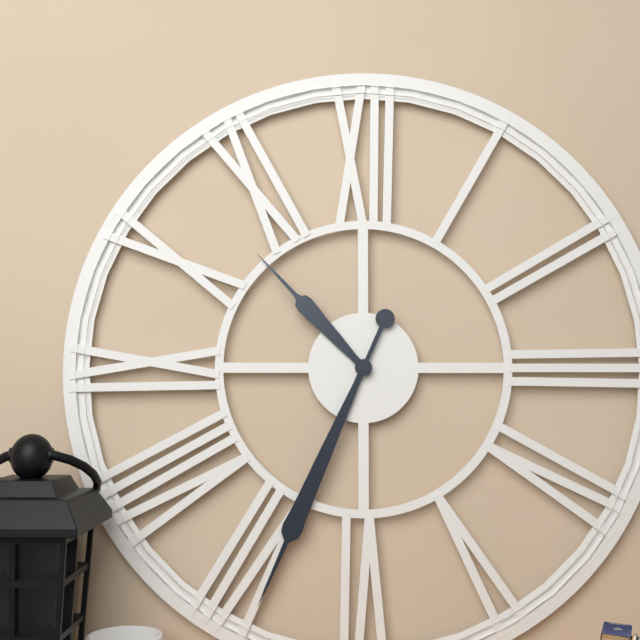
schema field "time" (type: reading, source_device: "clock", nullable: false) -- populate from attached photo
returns 10:34
